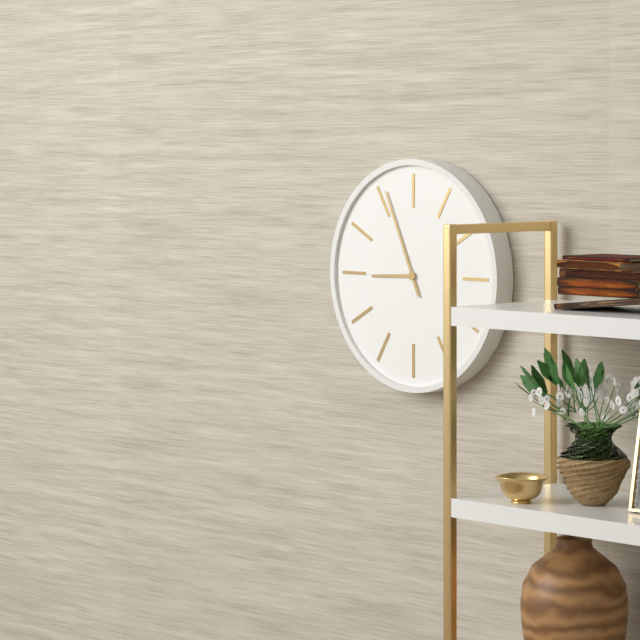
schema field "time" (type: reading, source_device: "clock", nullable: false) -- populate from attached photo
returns 8:56
